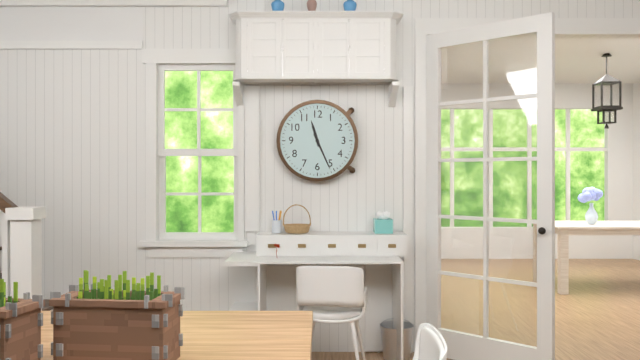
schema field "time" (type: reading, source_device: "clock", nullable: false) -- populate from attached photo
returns 11:26
